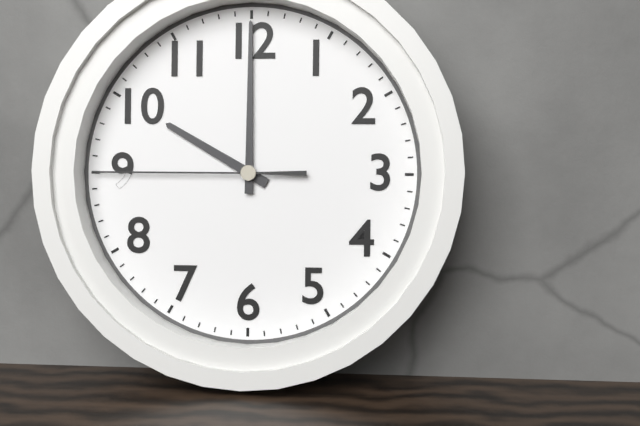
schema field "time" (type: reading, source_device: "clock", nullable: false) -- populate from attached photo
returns 10:00:45
